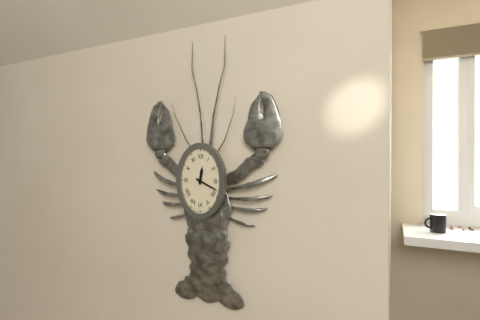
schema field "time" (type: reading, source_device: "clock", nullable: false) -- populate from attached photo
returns 12:19
